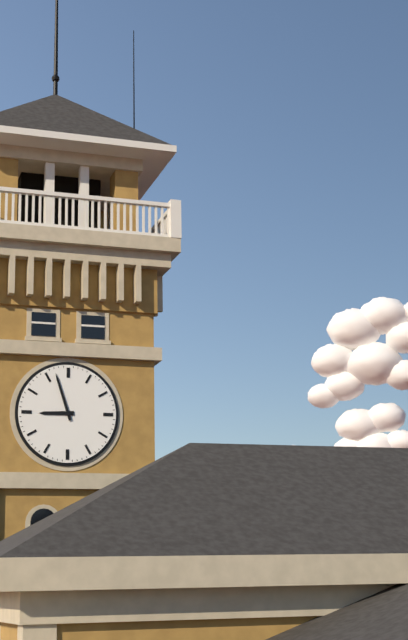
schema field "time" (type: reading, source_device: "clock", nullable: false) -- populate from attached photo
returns 8:57
